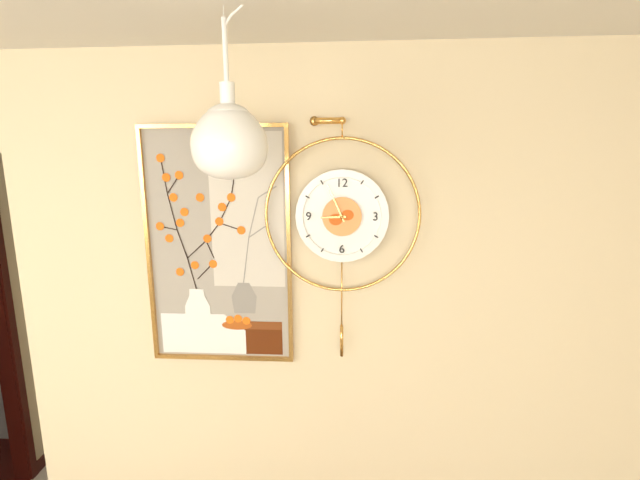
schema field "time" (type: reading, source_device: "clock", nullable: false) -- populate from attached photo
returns 8:56
